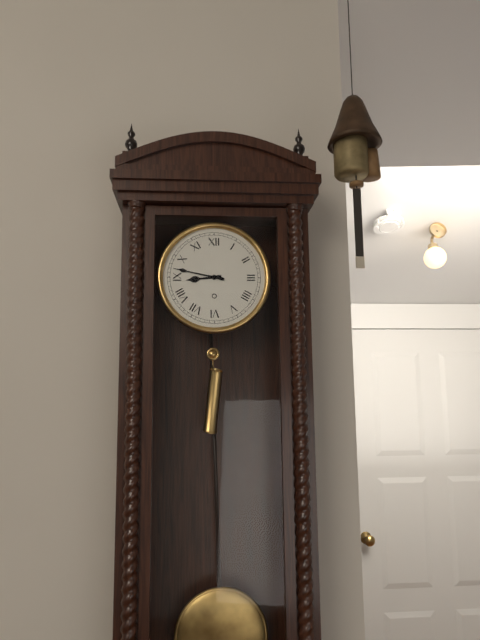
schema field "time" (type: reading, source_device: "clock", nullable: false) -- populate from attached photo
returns 8:47
